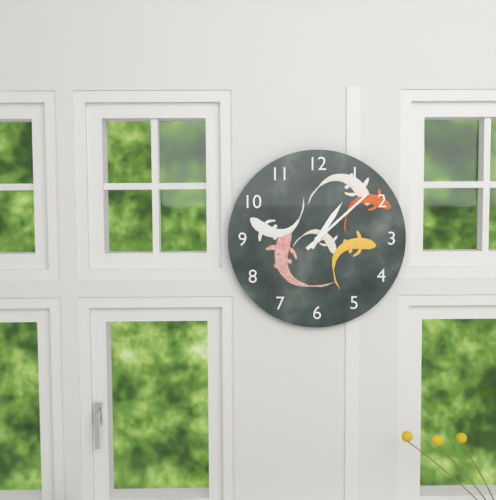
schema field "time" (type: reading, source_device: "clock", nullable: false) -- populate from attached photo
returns 1:08
